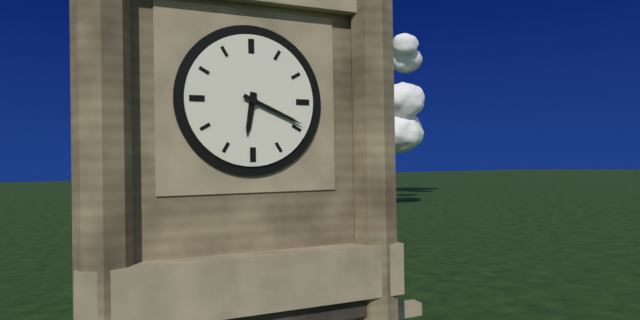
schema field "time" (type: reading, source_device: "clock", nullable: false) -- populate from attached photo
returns 6:19
